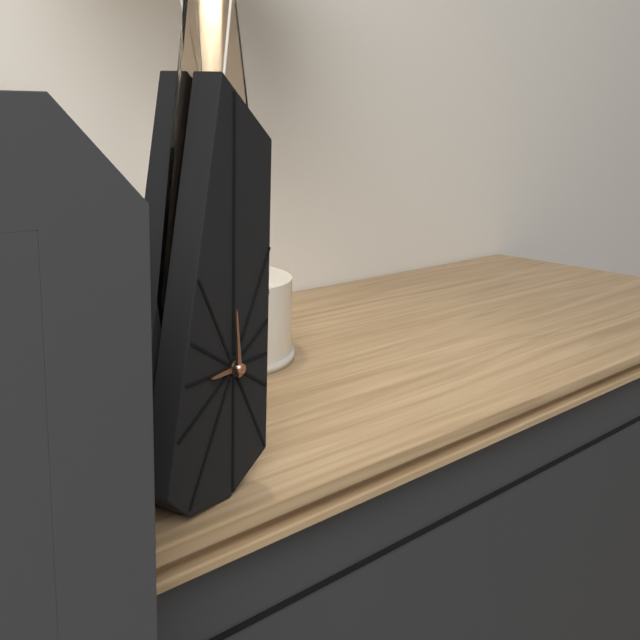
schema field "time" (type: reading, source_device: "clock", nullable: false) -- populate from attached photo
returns 8:59
